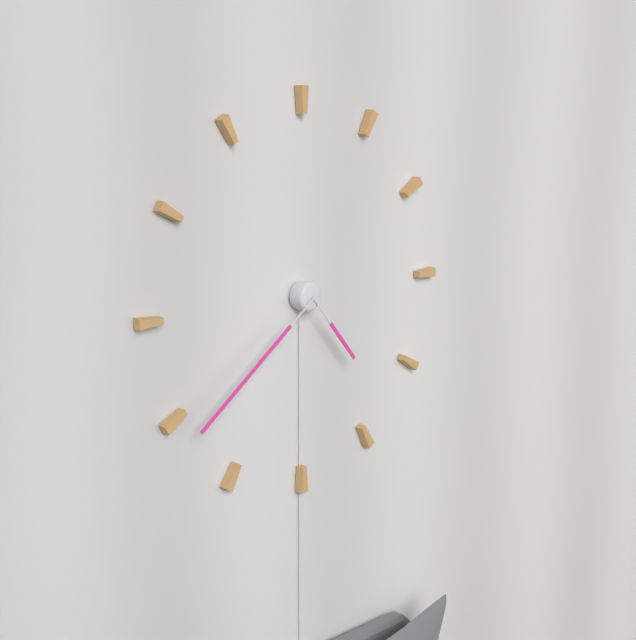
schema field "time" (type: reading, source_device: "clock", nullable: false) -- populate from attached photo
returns 4:39
